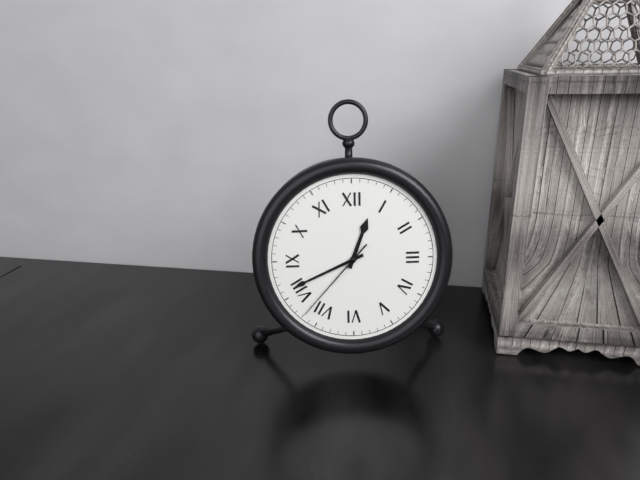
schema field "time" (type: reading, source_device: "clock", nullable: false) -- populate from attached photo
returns 12:41:37
